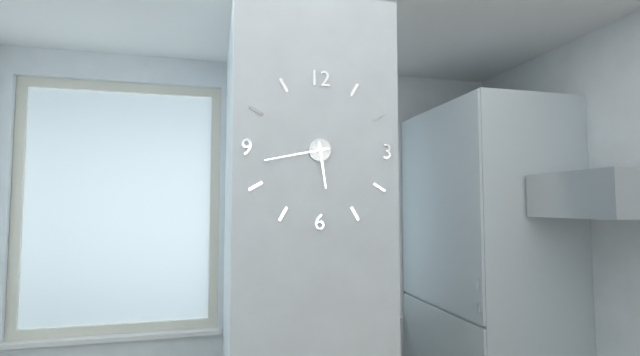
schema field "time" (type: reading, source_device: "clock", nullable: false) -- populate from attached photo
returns 5:43
